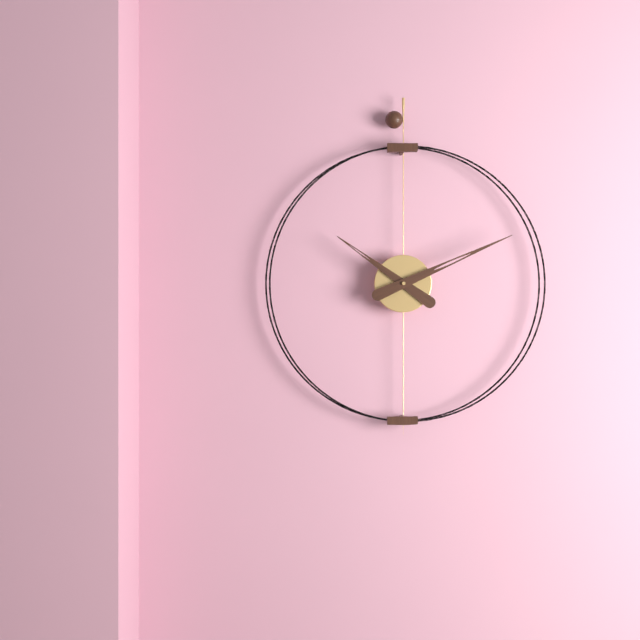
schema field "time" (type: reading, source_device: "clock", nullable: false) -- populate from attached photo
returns 10:11
